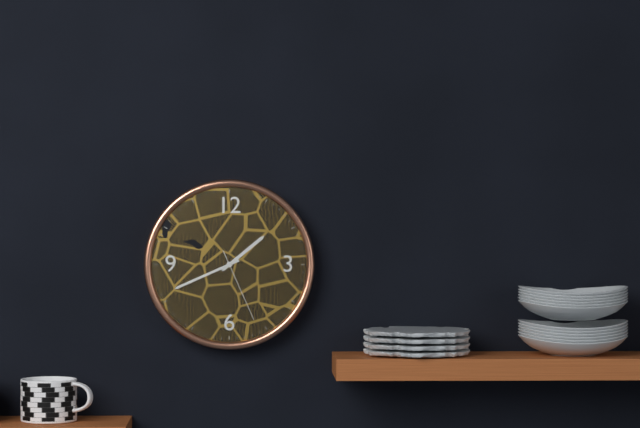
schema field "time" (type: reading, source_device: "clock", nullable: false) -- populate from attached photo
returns 1:41:26
